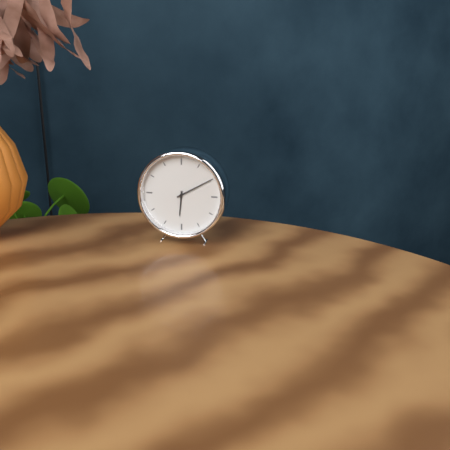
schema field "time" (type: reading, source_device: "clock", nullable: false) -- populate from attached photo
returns 6:10
